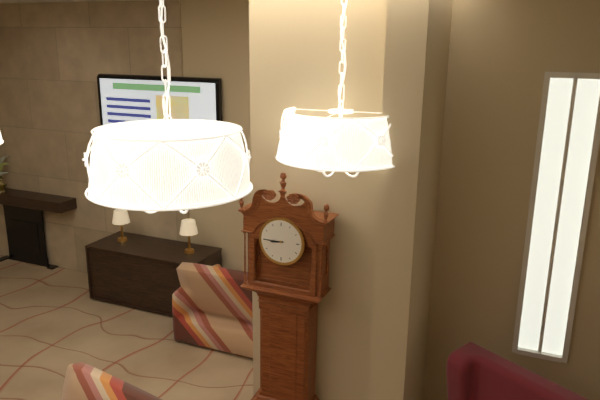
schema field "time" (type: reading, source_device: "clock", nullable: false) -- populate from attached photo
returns 8:45
